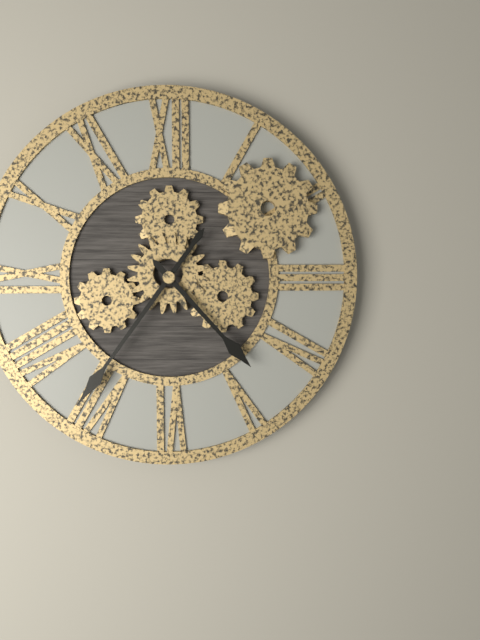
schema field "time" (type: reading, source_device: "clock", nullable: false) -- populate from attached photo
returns 4:36
